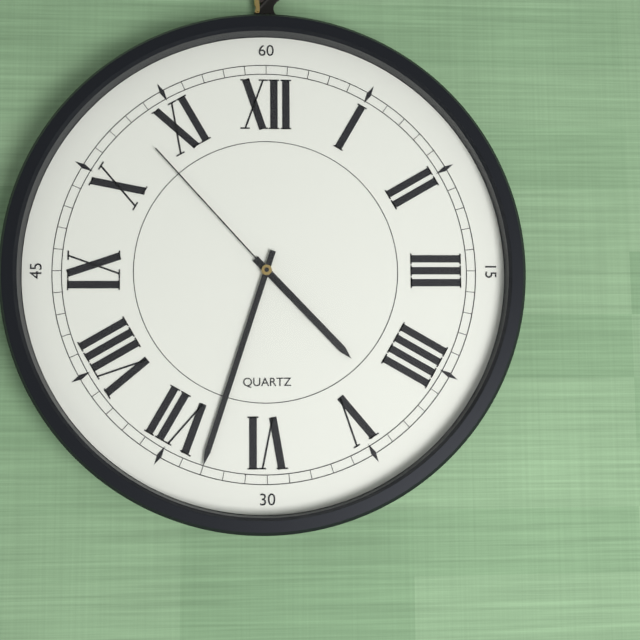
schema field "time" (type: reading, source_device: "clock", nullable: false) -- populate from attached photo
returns 4:33:53
